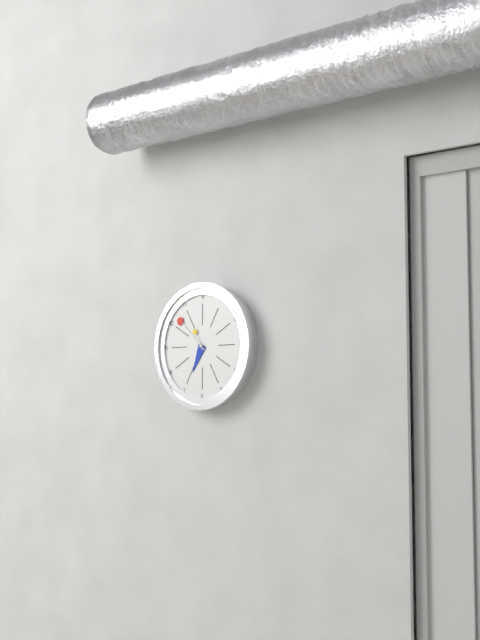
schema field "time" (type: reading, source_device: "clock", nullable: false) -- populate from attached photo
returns 6:52
